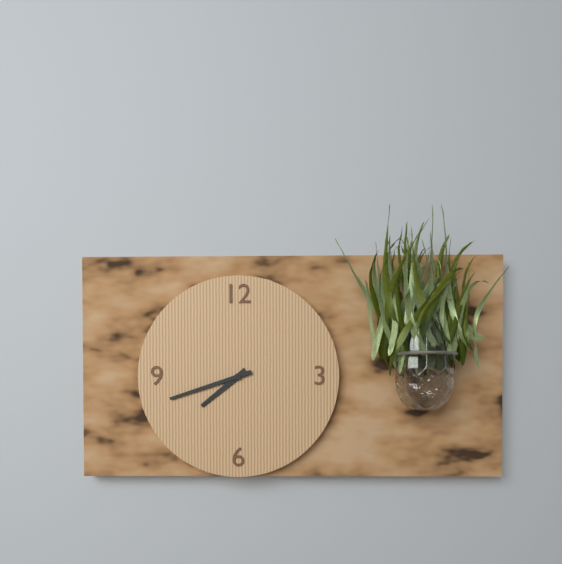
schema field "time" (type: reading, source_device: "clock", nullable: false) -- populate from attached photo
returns 7:42
